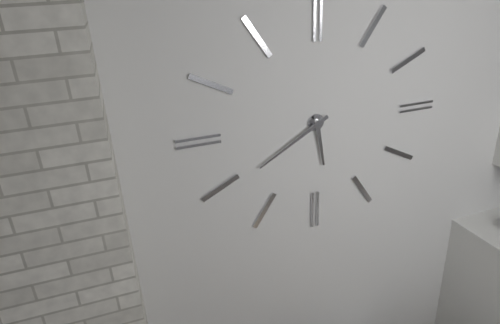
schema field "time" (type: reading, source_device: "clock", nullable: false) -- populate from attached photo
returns 5:40
